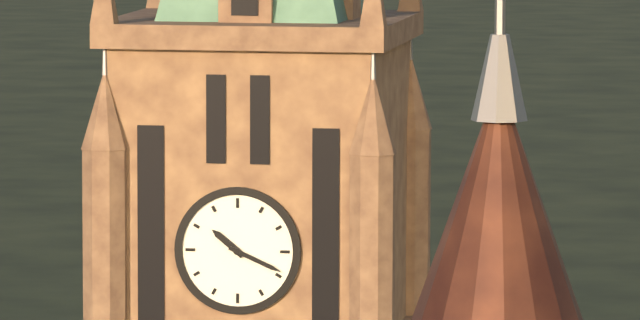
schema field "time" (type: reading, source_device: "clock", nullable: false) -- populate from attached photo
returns 10:19
